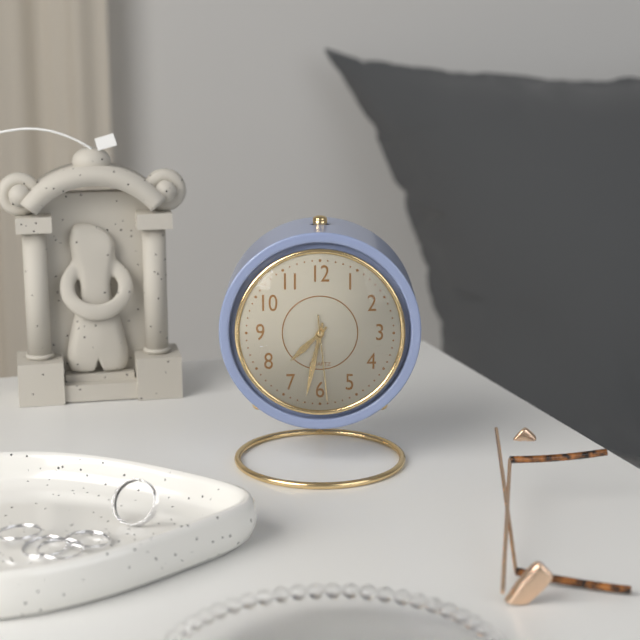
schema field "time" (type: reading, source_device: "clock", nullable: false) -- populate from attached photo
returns 7:32:29
